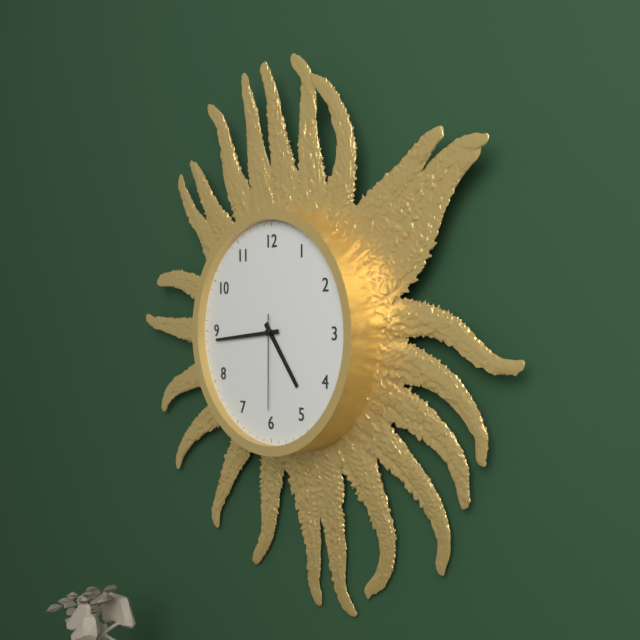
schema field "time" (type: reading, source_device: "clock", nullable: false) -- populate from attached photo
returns 4:44:30
